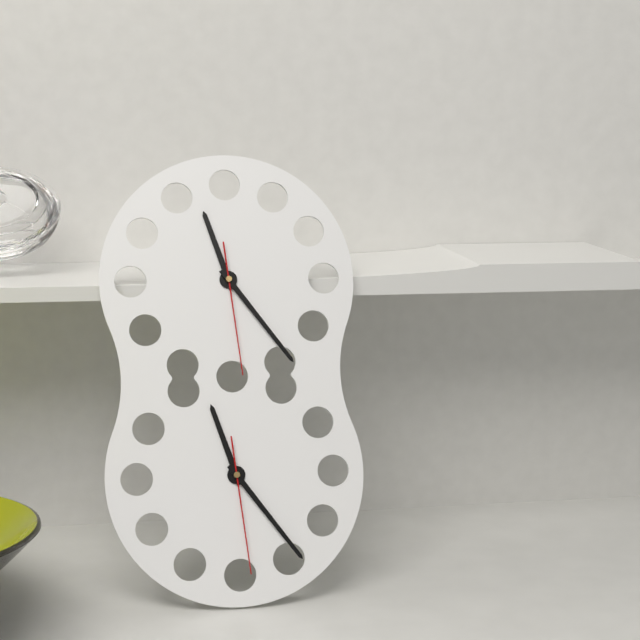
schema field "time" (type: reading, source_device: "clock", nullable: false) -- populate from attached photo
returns 11:24:29
